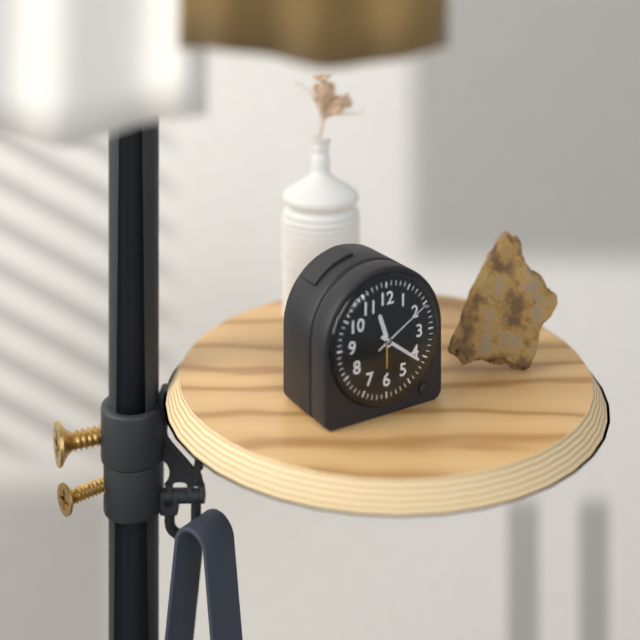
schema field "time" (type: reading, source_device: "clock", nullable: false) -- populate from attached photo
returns 11:21:10
